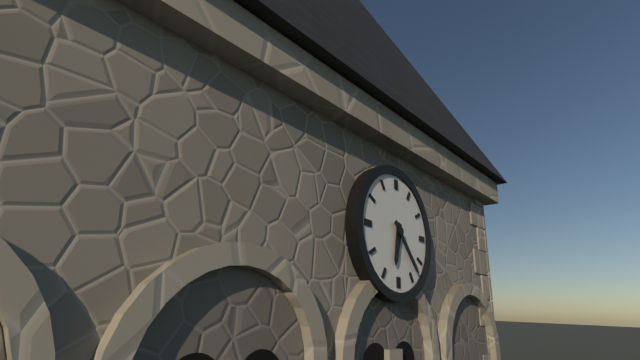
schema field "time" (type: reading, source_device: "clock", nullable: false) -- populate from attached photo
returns 6:23
